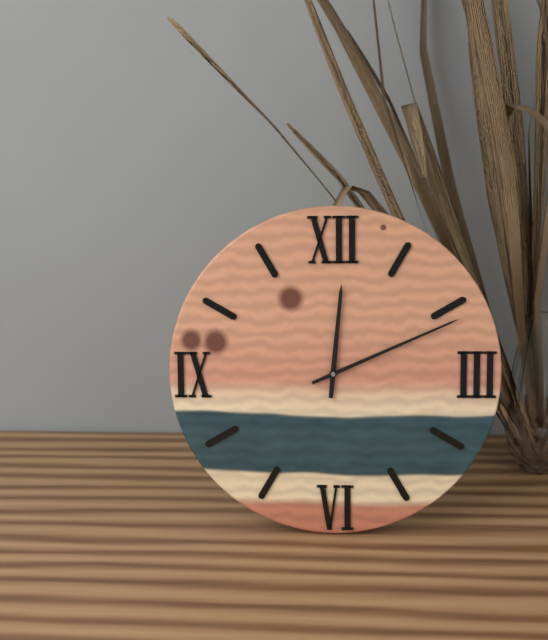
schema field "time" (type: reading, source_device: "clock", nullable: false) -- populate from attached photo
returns 12:11
